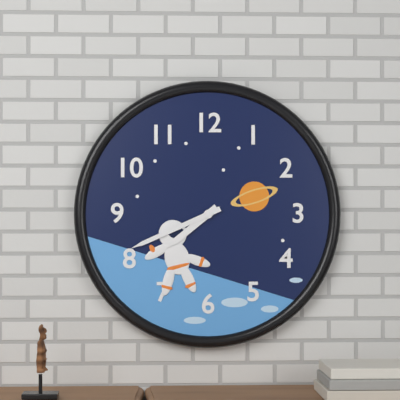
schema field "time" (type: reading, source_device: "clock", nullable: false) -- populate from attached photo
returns 7:41
